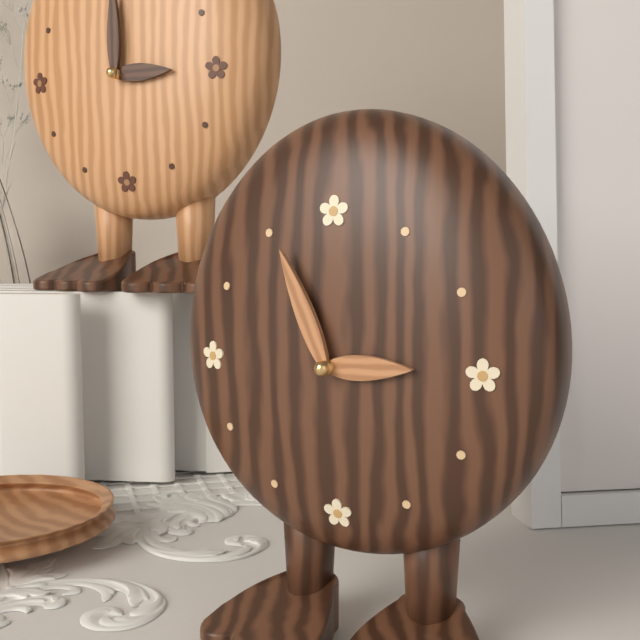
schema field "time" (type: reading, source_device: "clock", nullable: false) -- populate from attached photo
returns 2:56
